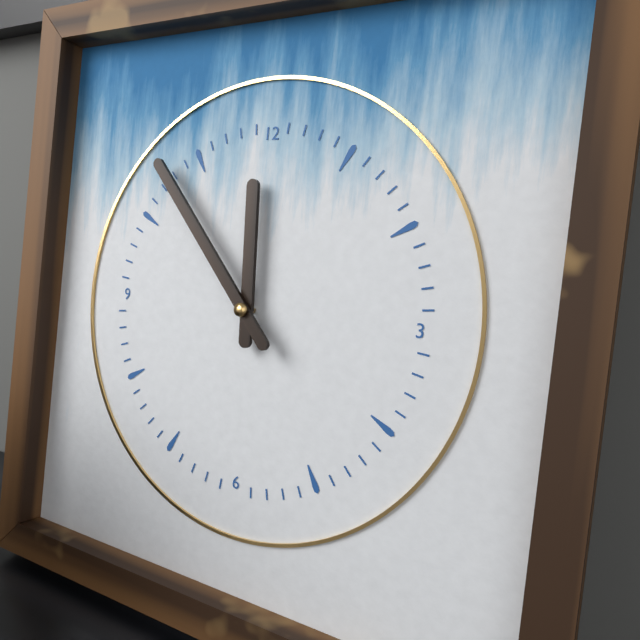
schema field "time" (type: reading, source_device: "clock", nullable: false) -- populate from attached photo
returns 11:53
